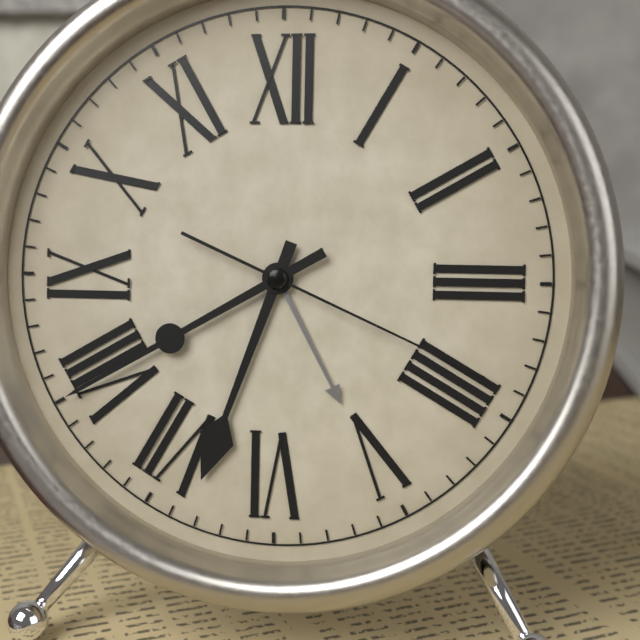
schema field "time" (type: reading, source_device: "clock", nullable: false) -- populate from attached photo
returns 6:40:19
